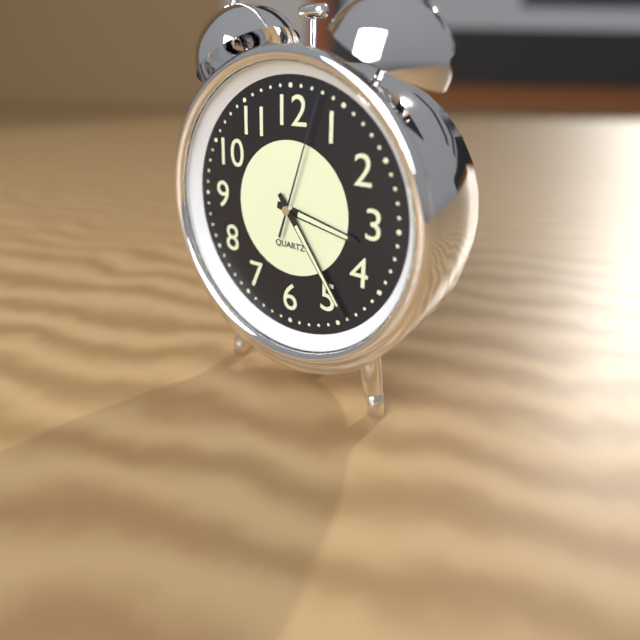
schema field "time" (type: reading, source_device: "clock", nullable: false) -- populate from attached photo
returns 3:24:03
